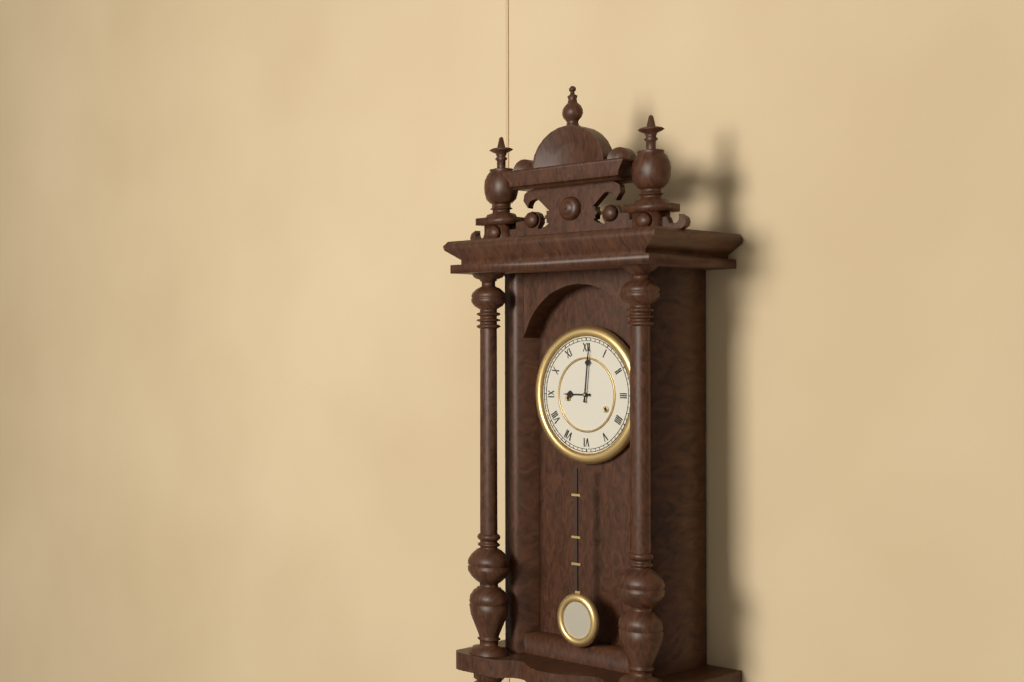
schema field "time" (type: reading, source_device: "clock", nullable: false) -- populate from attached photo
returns 9:01
